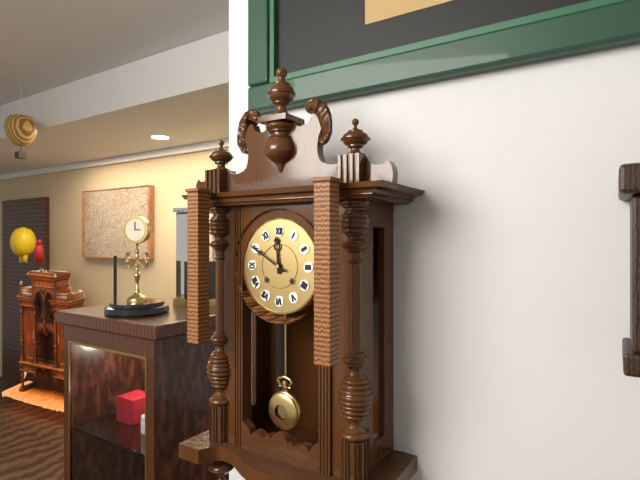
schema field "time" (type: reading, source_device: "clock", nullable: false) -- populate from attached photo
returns 11:50
